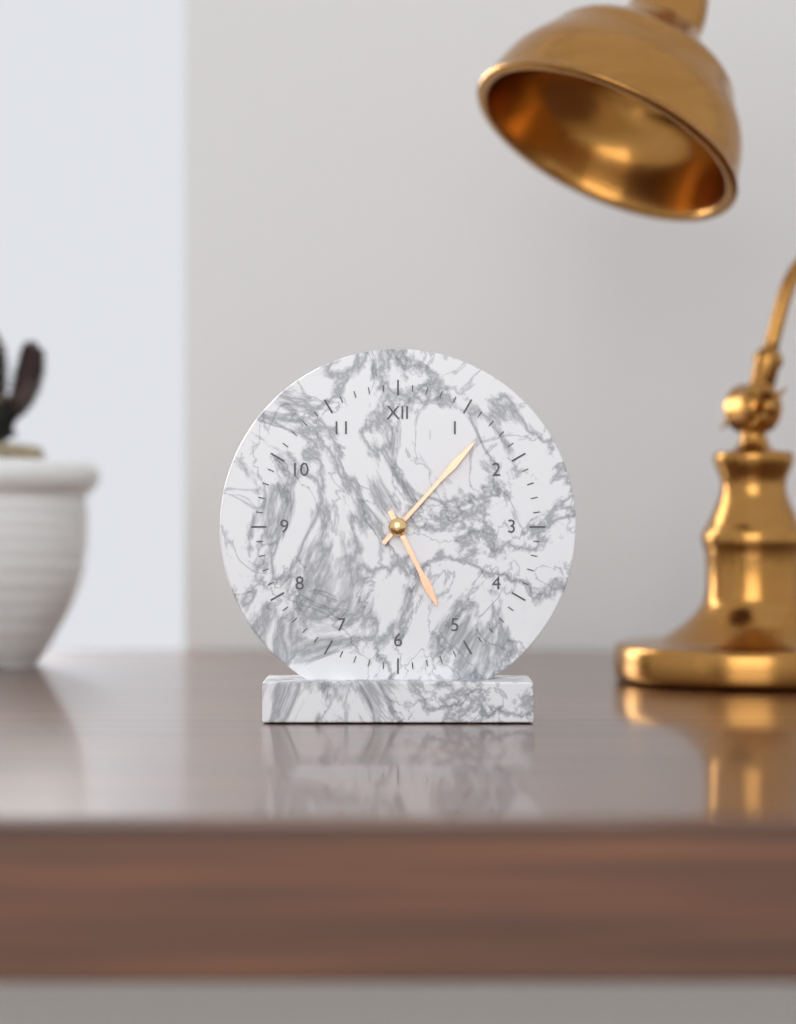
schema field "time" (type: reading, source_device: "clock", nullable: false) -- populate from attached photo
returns 5:07
